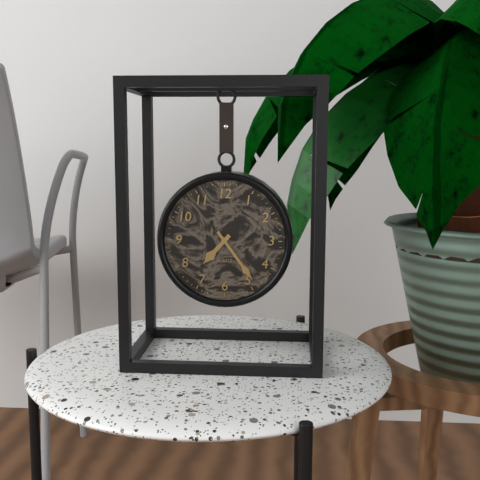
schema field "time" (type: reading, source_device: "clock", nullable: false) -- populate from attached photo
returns 7:24
